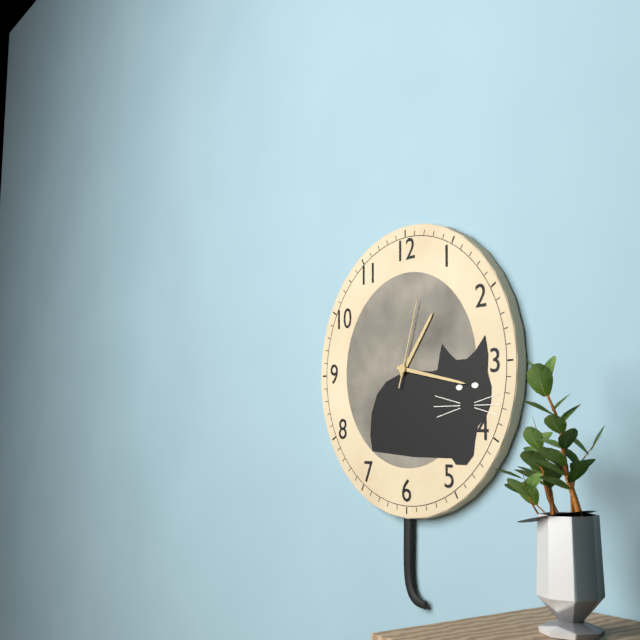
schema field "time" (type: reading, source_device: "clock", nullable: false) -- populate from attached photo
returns 1:17:03
